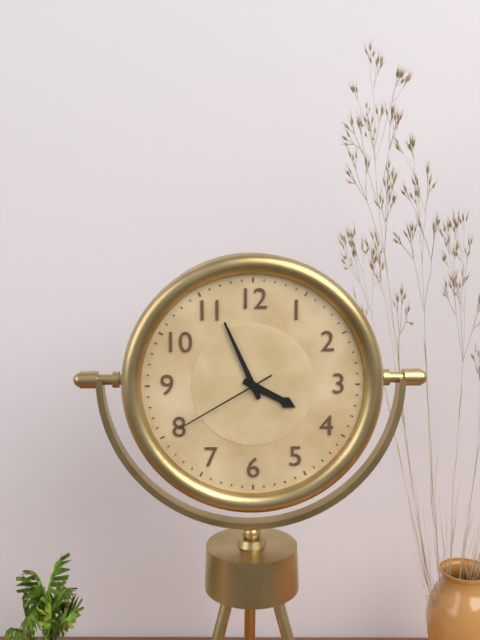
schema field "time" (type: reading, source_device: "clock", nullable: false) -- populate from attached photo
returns 3:56:40
